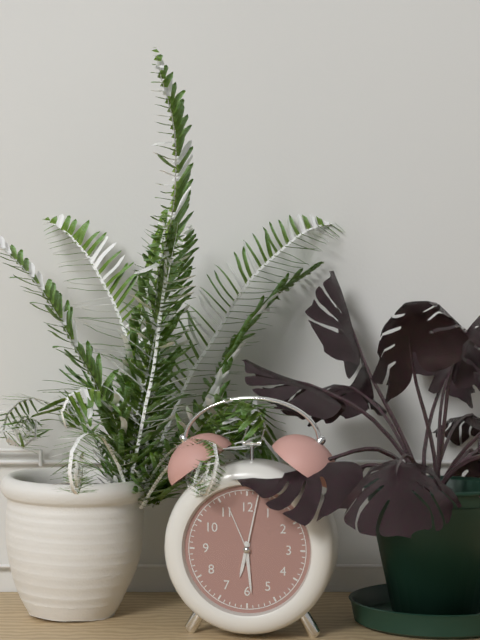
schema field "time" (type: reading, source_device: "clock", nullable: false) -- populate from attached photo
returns 6:29
